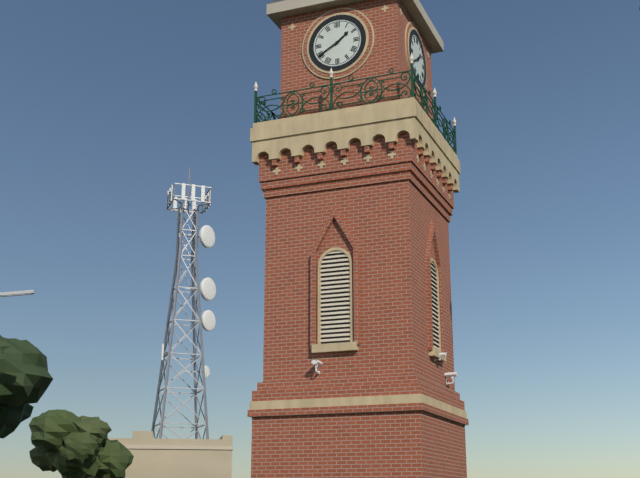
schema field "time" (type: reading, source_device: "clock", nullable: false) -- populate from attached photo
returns 1:40
